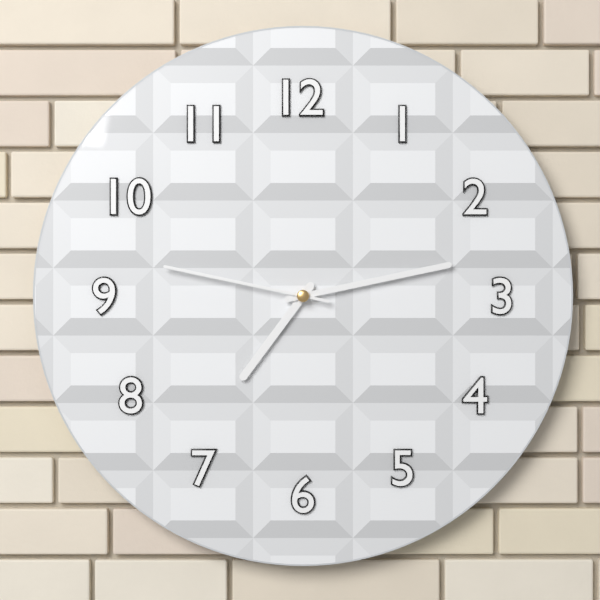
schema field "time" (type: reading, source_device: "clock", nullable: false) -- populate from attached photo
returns 7:13:47
